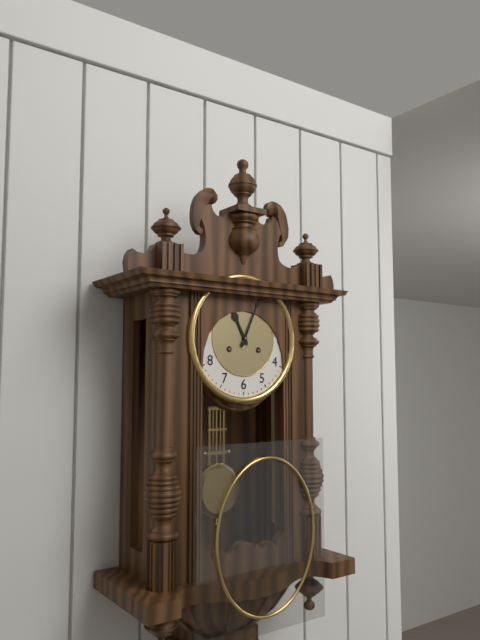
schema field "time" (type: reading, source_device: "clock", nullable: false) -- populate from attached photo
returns 11:04
